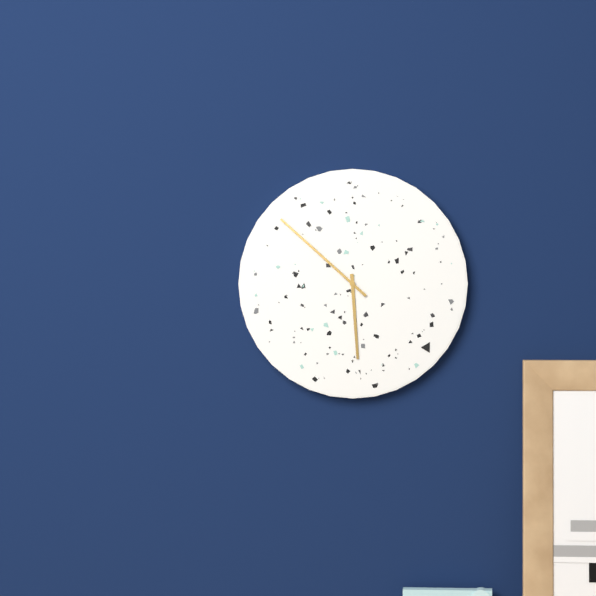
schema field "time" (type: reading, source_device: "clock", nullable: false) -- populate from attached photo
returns 5:52
